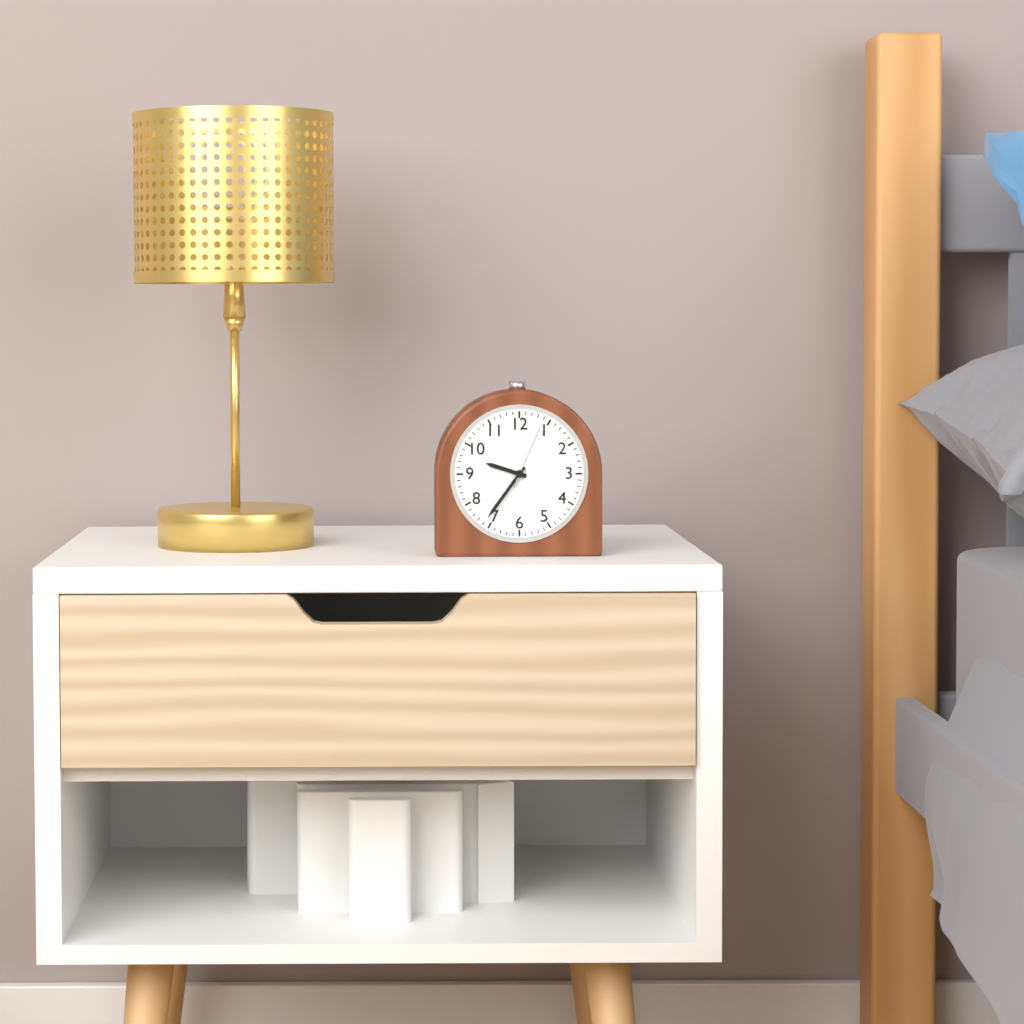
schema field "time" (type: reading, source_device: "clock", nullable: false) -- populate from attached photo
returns 9:36:04
